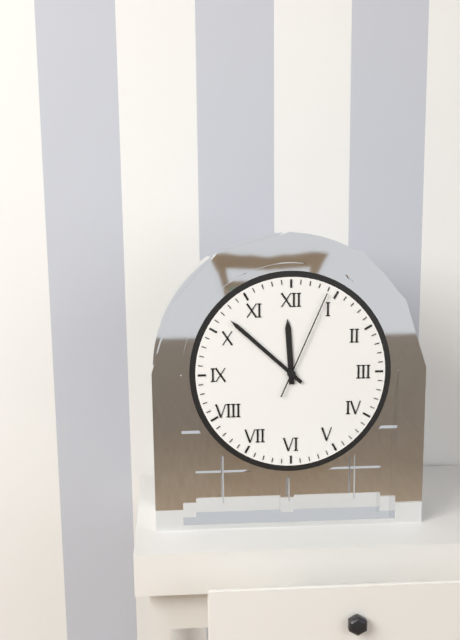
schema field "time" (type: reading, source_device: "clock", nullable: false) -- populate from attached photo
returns 11:52:04
